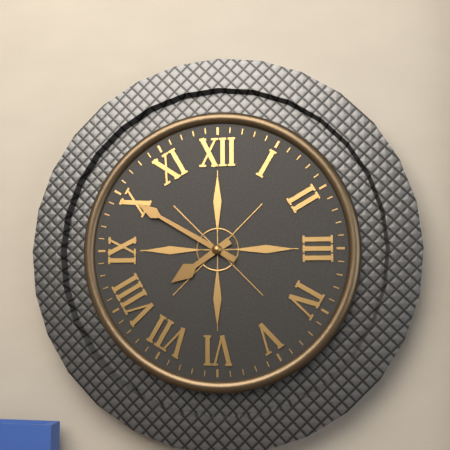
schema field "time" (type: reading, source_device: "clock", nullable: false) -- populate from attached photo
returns 7:50
